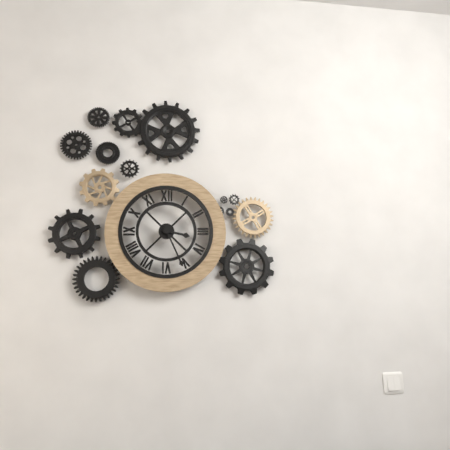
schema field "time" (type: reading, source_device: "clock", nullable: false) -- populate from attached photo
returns 3:26
